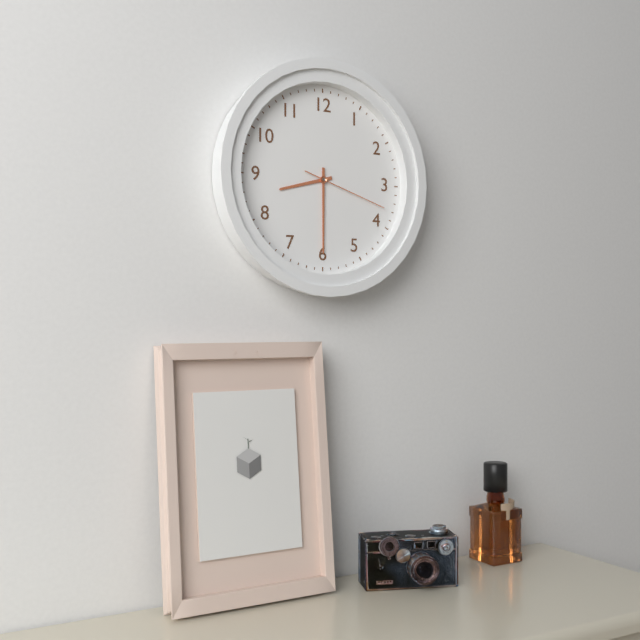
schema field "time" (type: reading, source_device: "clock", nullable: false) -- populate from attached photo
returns 8:30:18
